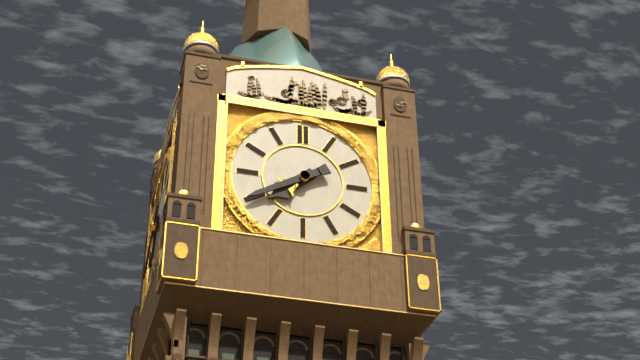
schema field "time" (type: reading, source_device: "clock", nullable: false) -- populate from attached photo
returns 7:40
